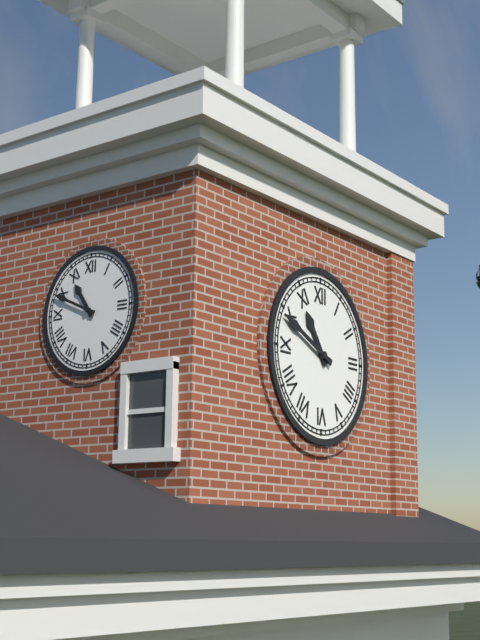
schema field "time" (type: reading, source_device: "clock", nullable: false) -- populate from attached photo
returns 10:49
